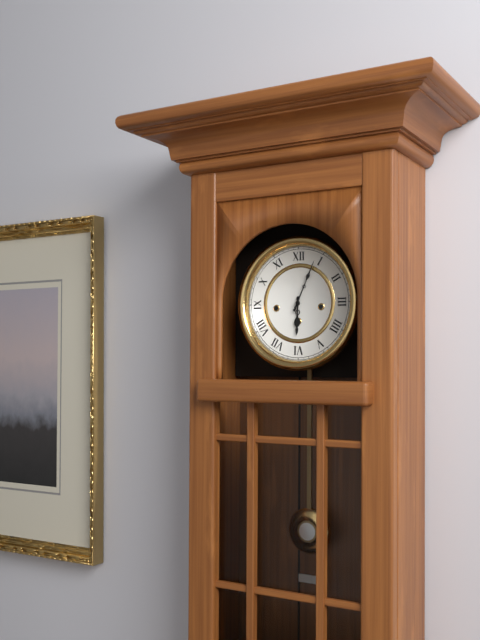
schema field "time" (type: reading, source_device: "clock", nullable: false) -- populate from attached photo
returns 6:04
